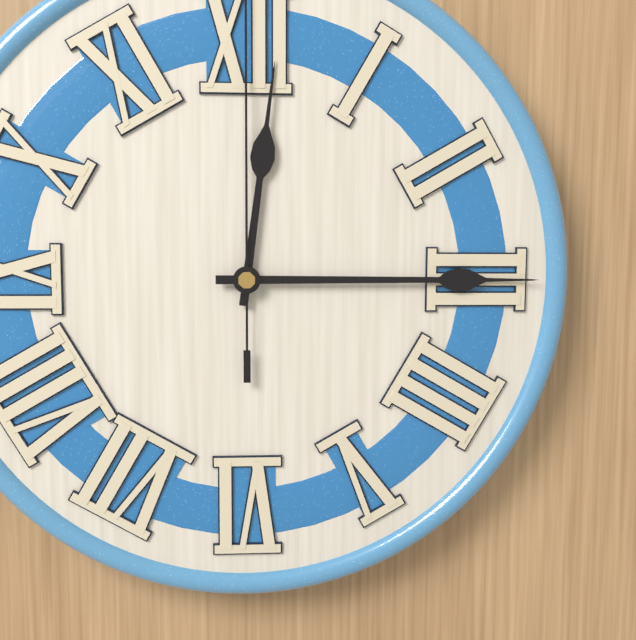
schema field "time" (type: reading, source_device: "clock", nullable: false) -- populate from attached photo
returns 12:15
